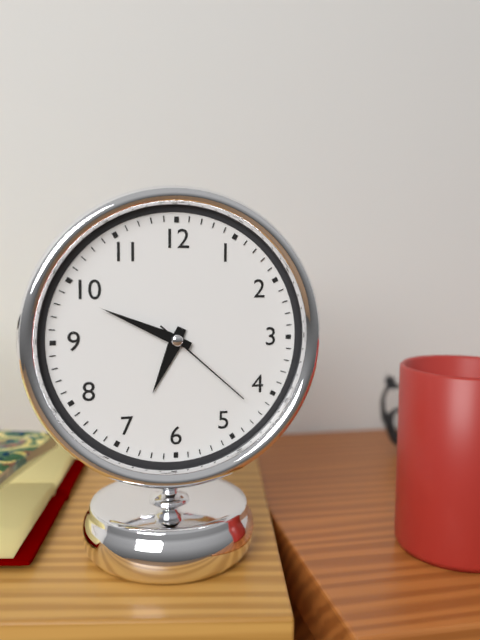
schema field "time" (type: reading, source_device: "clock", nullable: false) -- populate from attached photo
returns 6:49:22
